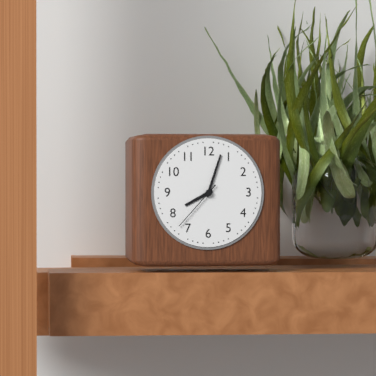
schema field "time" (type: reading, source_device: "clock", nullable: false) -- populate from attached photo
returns 8:03:37
